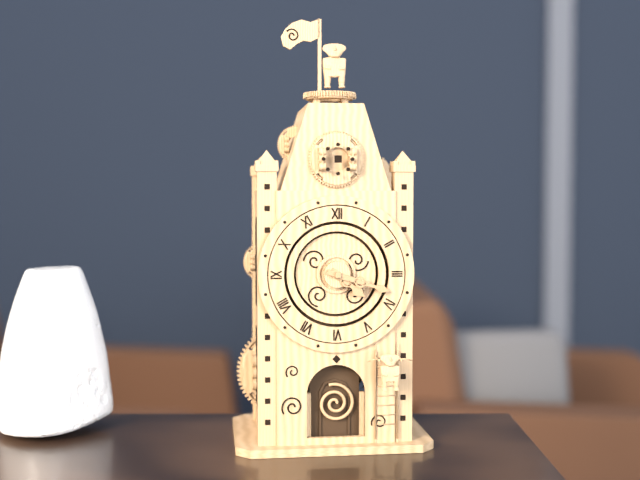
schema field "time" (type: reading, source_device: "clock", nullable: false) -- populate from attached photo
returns 4:18
